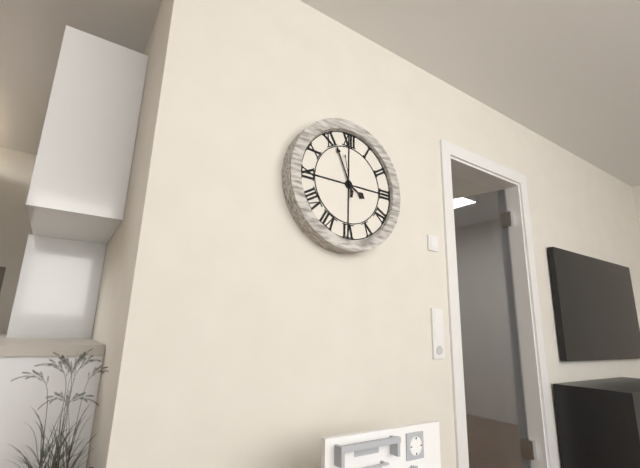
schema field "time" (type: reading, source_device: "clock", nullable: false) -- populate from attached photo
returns 3:56
